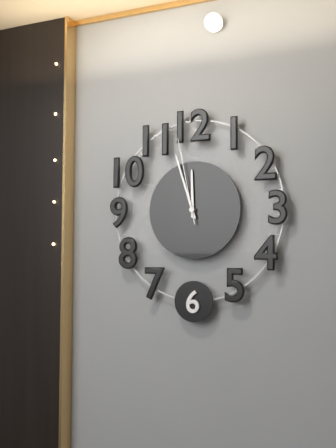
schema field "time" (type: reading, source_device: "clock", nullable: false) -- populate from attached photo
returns 11:57:58
